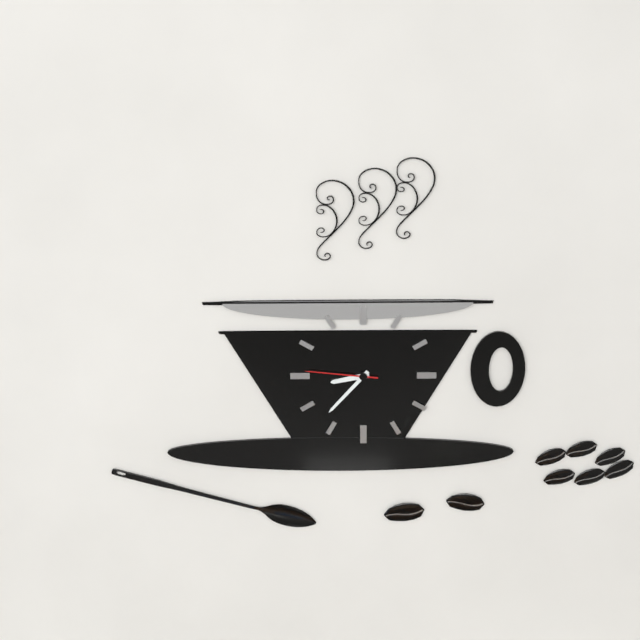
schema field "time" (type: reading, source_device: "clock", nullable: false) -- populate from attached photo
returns 8:37:46
